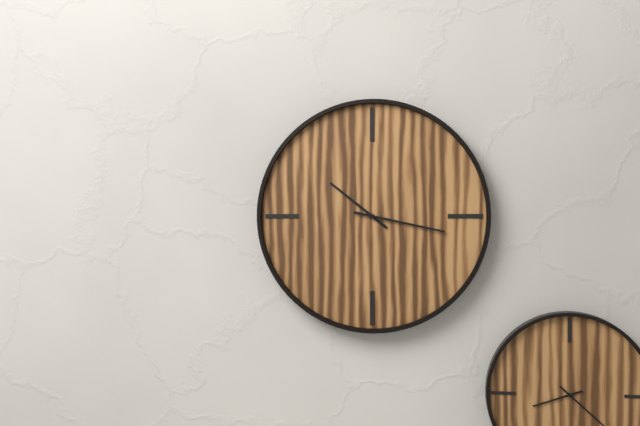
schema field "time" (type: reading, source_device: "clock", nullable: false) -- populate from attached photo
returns 10:17
